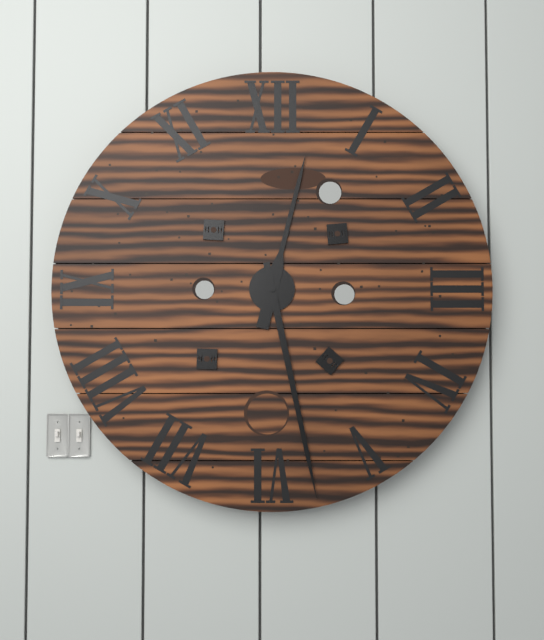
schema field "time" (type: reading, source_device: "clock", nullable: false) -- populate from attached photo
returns 12:28
